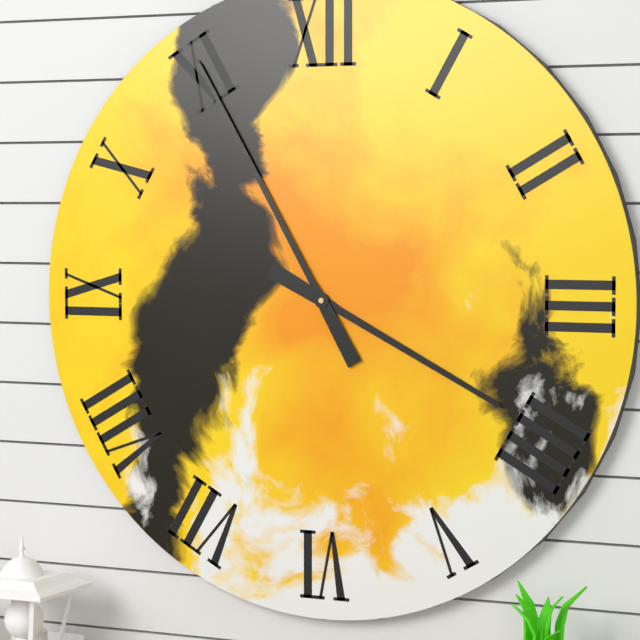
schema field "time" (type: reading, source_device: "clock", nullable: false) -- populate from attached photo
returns 3:55
